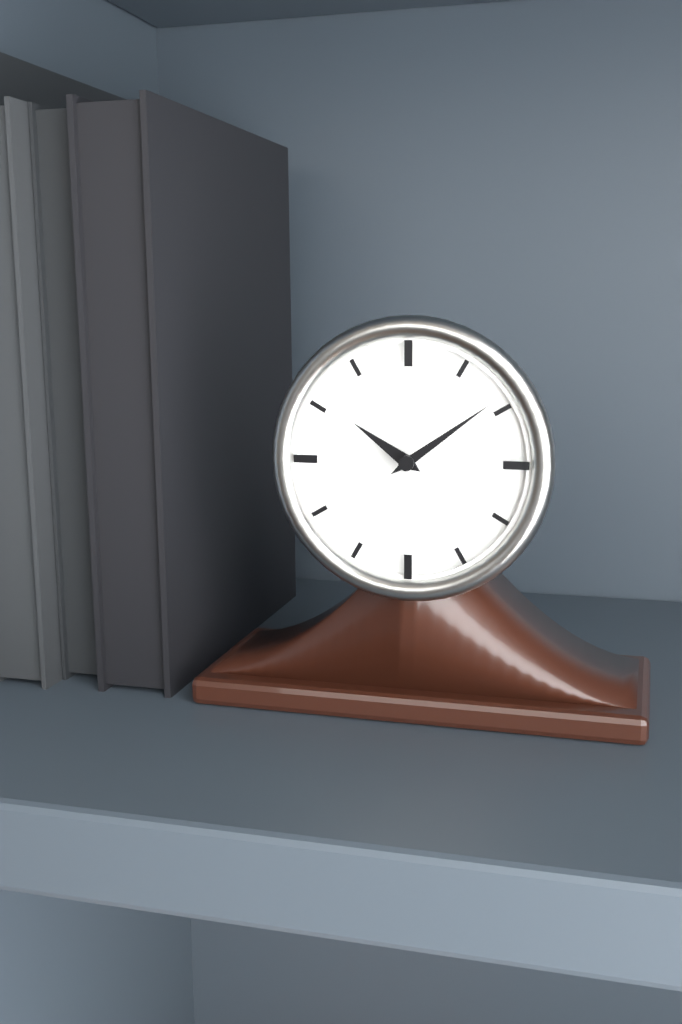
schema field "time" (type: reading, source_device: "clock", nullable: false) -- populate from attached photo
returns 10:09
